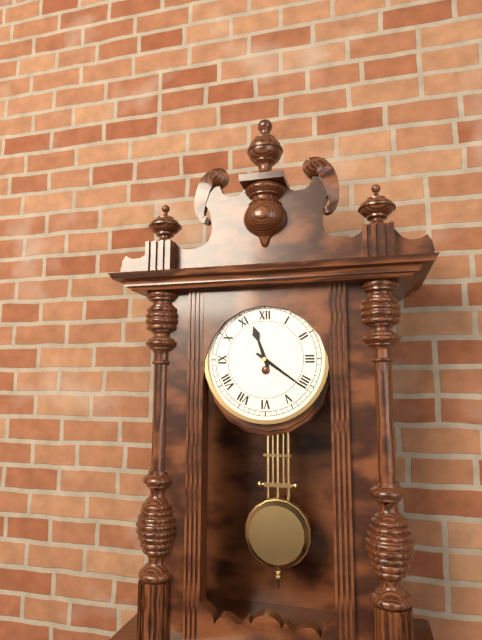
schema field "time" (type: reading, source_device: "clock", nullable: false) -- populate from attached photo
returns 11:21
